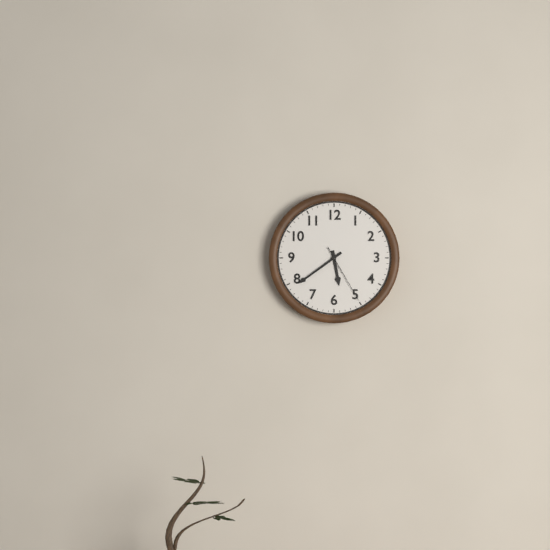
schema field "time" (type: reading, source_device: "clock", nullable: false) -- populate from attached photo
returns 5:39:25
